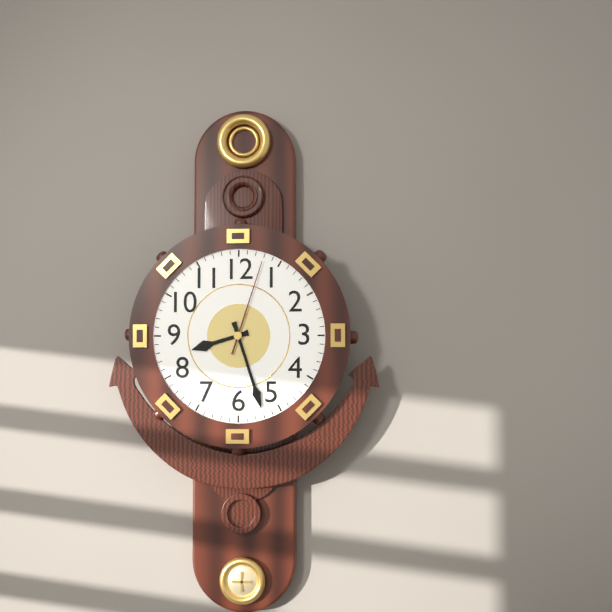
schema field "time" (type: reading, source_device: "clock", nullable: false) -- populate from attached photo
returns 8:27:03
